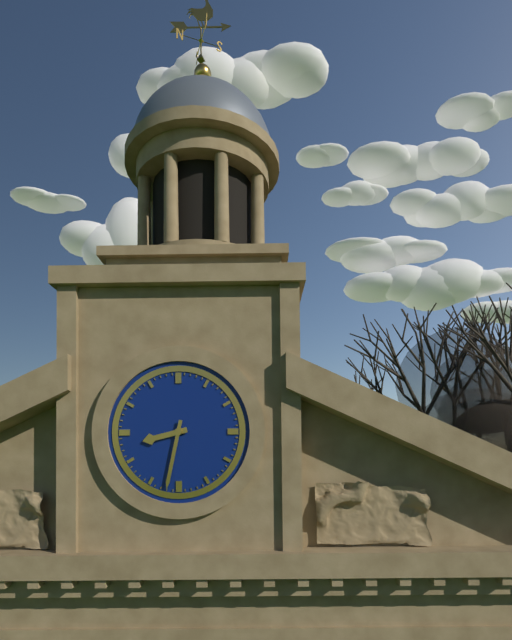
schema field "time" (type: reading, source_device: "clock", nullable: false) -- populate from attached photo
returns 8:32
